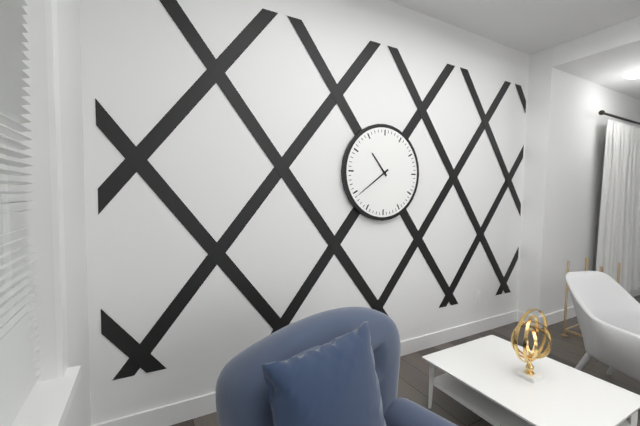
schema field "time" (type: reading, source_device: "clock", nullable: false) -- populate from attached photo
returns 10:39
